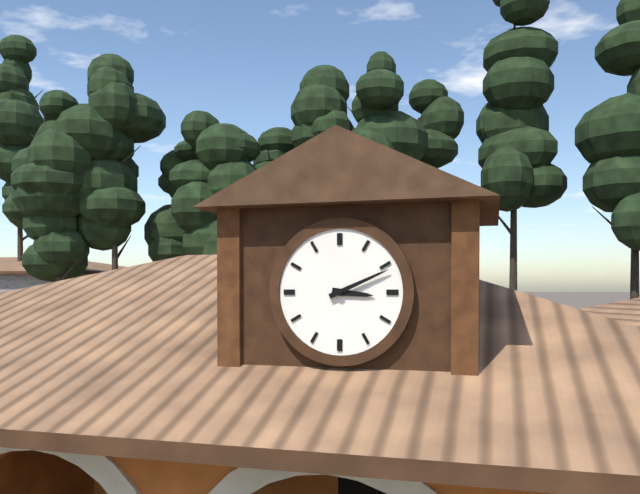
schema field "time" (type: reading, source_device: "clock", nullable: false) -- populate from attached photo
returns 3:11
